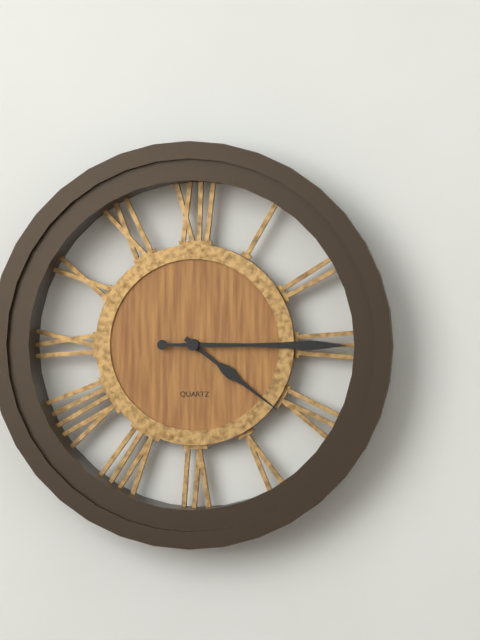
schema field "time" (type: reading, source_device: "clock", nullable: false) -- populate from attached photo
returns 4:15
